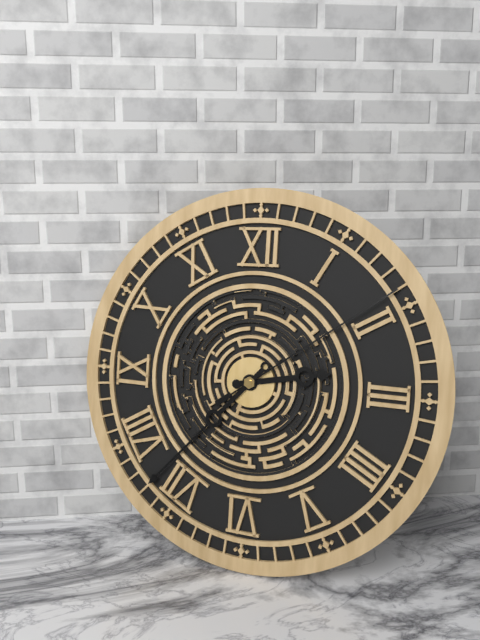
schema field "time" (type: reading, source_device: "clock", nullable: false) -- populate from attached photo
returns 2:37:09
